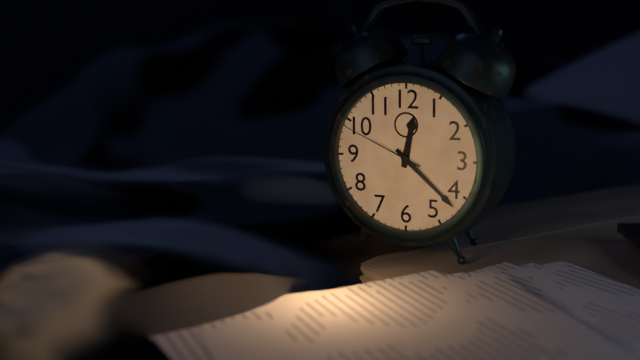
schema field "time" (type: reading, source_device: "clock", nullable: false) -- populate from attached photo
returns 12:22:49
